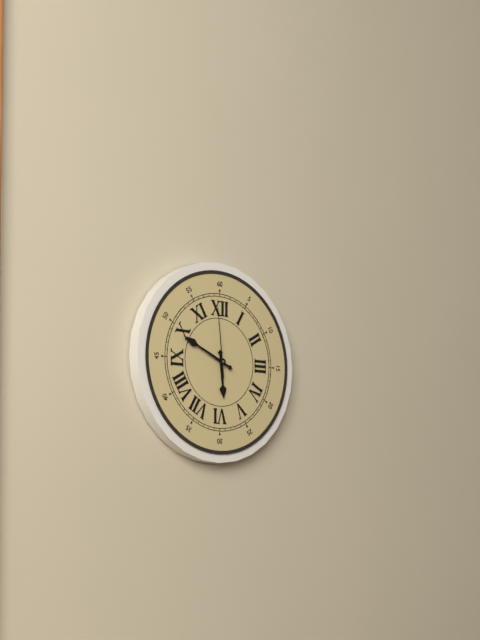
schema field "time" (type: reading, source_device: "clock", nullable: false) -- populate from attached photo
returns 5:49:59
